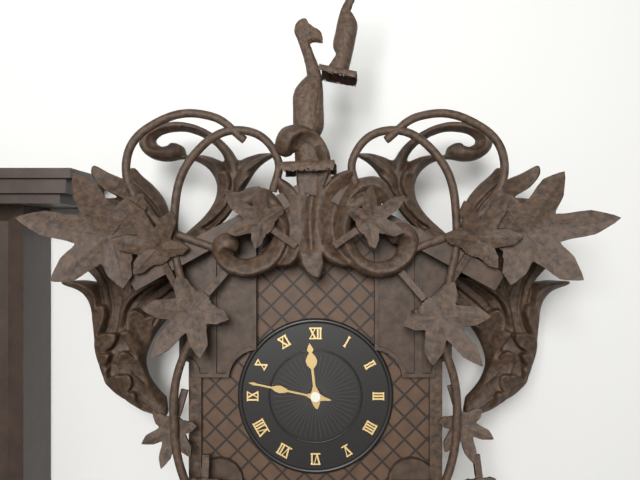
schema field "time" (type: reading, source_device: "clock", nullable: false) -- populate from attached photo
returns 11:47
